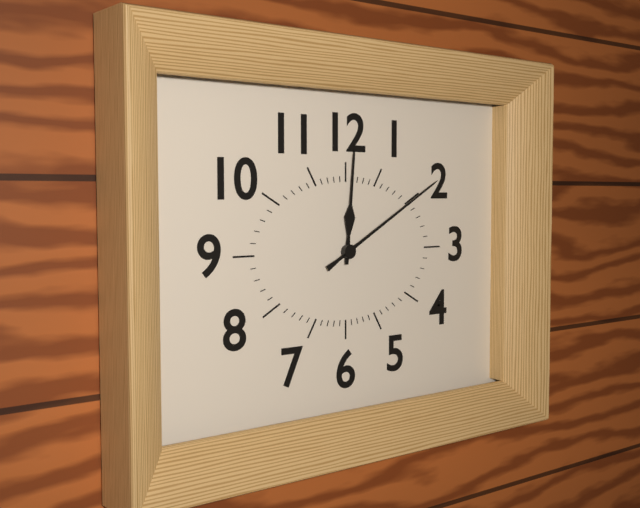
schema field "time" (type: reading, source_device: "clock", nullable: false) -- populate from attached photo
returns 12:10
